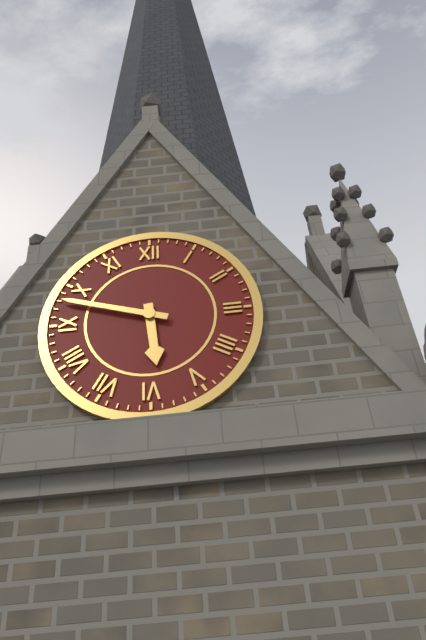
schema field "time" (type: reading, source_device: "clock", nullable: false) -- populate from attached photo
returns 5:48
